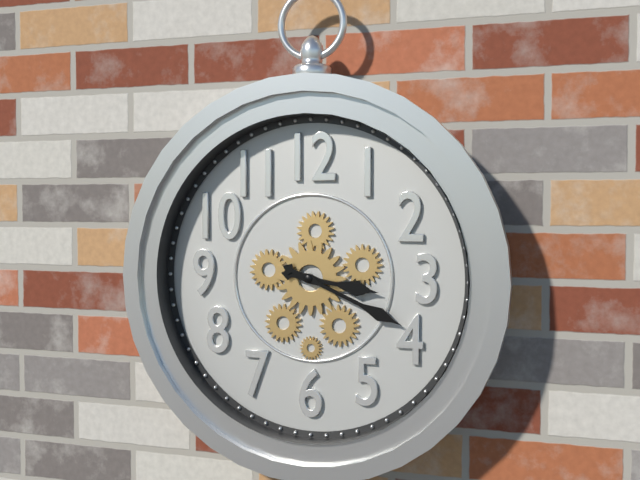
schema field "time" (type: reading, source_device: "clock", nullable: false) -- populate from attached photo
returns 3:19
